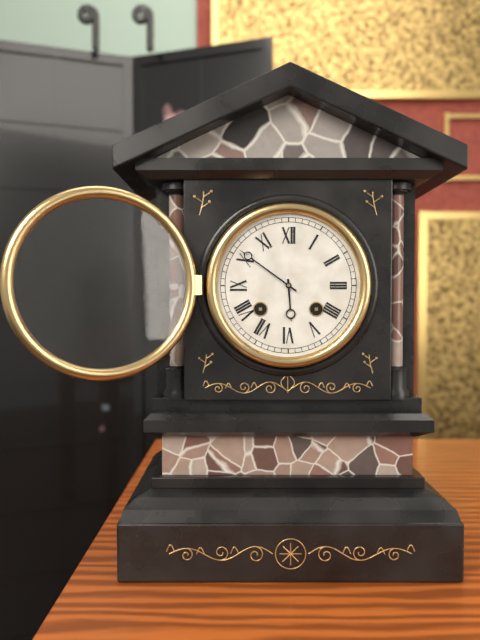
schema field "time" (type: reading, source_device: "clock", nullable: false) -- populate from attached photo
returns 5:51
